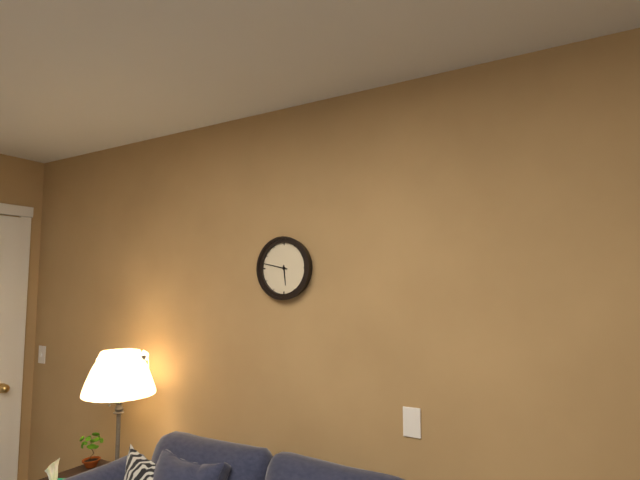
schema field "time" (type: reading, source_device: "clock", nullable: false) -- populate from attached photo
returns 5:47
